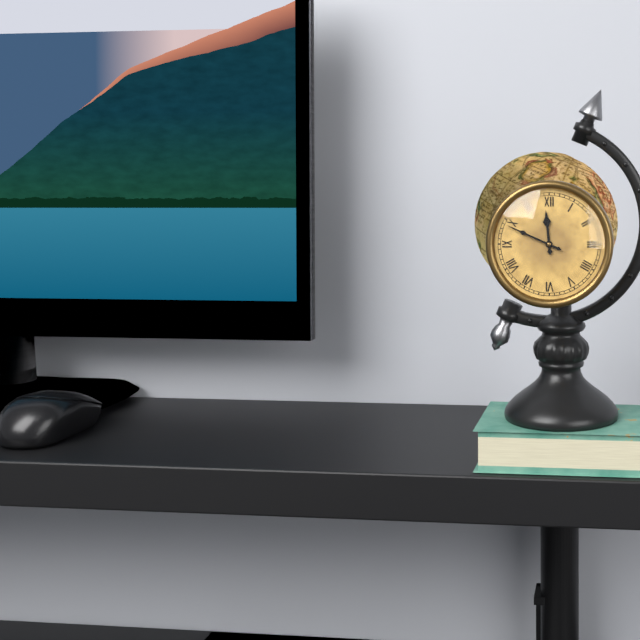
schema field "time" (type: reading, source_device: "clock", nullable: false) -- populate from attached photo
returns 11:49
